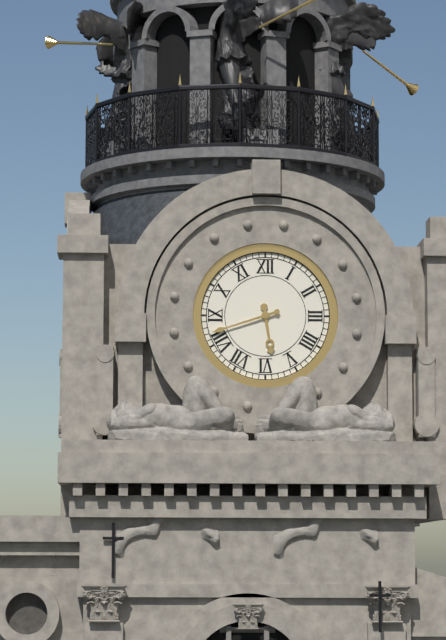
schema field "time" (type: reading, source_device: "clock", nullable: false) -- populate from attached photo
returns 5:42
